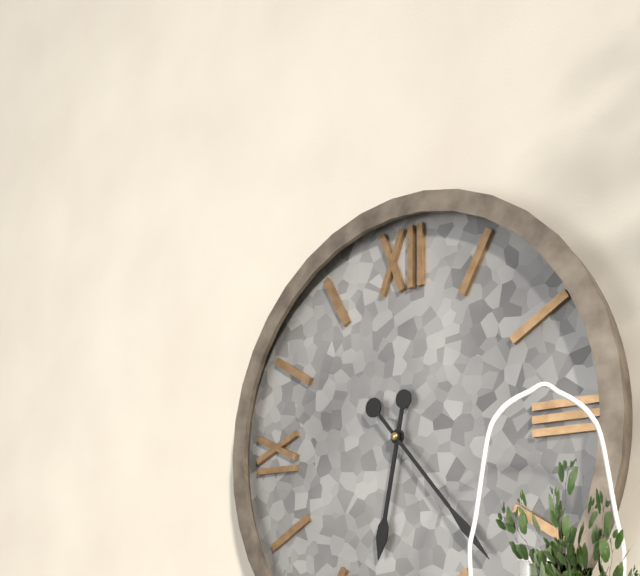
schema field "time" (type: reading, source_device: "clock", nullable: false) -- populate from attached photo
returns 6:23
